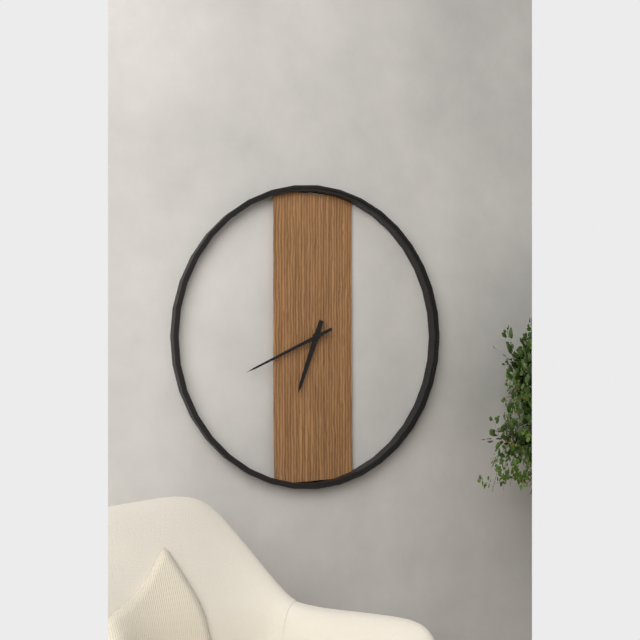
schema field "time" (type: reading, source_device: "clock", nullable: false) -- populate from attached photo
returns 6:41
